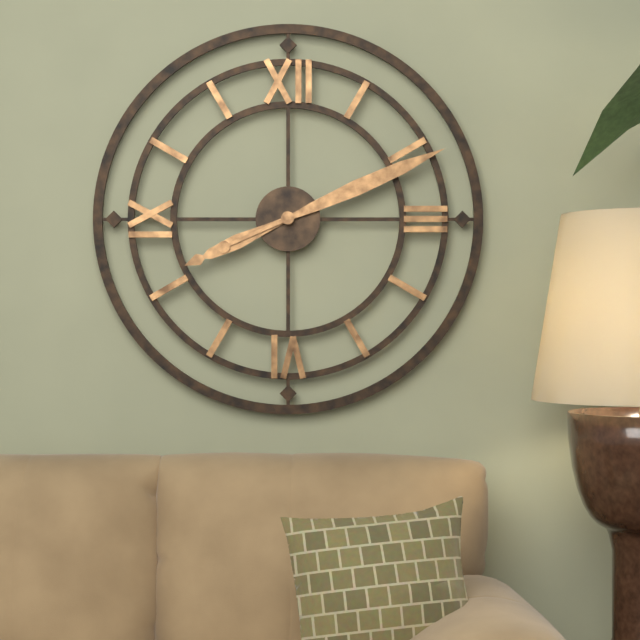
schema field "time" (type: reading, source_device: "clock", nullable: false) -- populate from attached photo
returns 8:11
